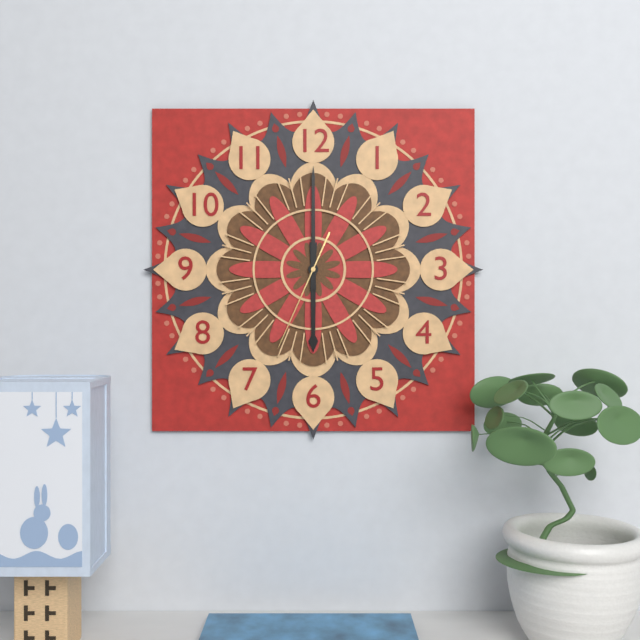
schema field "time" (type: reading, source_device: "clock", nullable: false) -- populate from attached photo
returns 6:00:34
